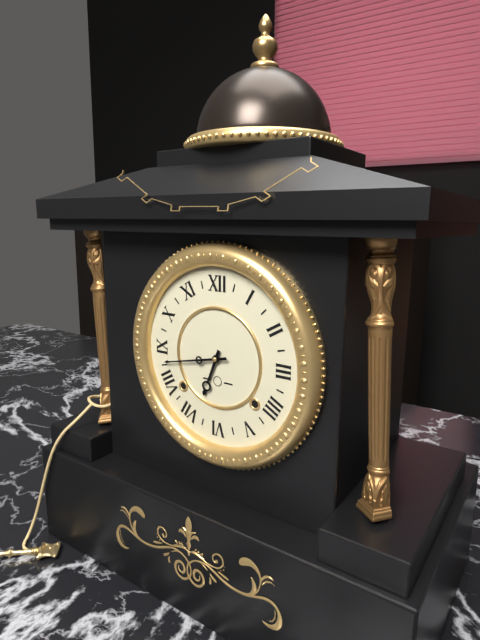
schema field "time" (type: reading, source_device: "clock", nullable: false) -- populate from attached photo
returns 6:43
